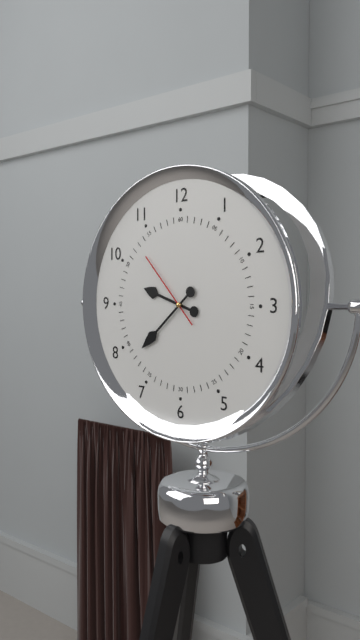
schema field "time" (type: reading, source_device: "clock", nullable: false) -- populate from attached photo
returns 9:38:53
